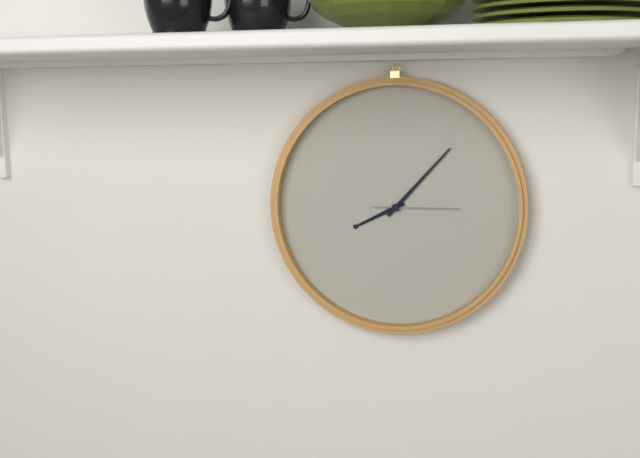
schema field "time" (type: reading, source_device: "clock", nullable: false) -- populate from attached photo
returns 8:07:15
